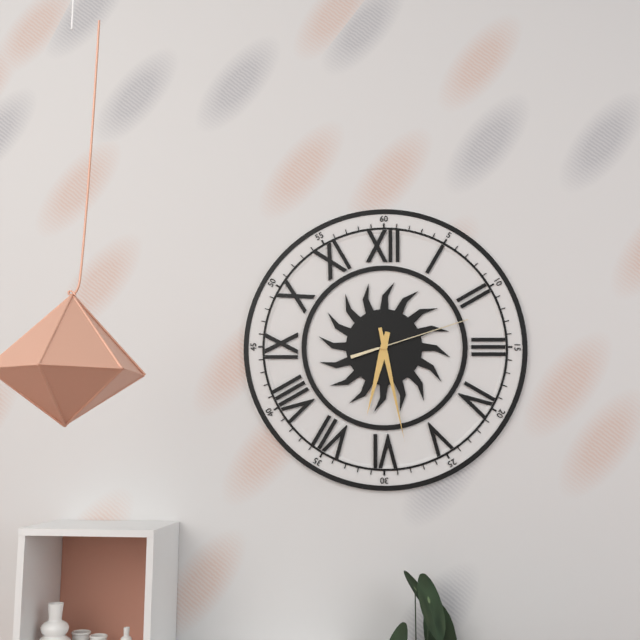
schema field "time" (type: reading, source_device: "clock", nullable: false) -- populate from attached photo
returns 6:28:12
